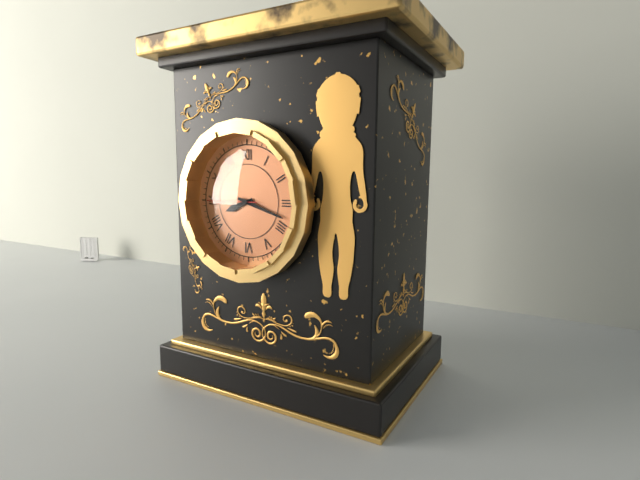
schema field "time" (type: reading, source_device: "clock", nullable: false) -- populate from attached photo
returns 8:18
